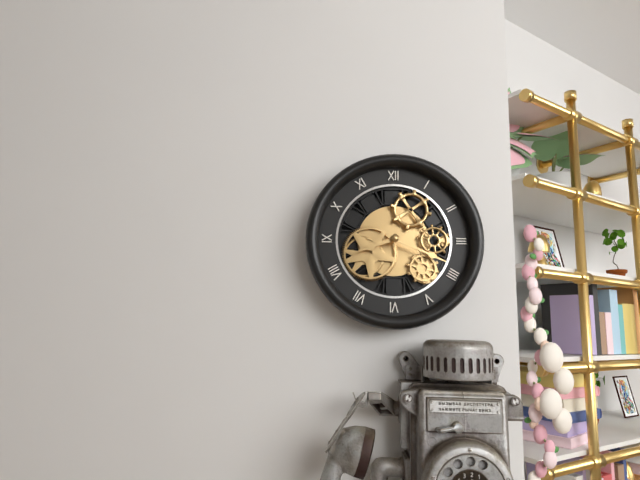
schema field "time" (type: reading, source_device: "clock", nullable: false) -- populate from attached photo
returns 8:19
